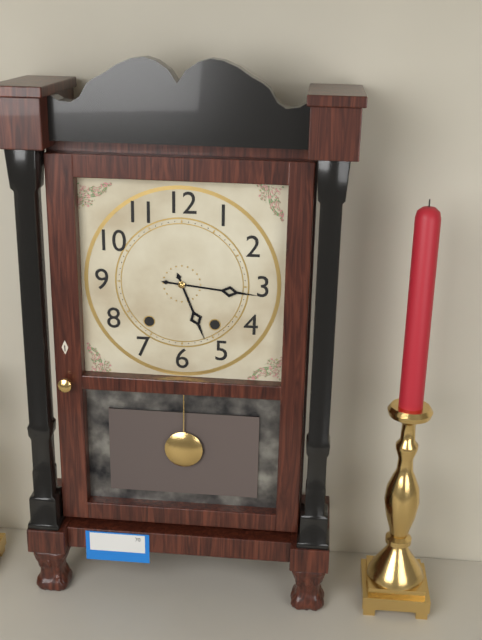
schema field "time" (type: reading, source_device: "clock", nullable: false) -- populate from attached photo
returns 5:16
